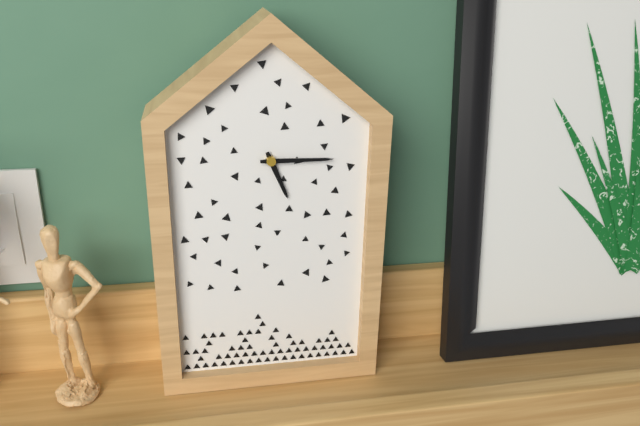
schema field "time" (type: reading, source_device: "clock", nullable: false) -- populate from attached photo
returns 5:15
